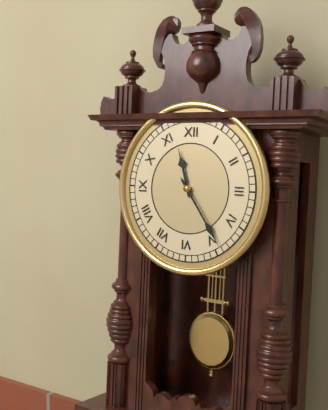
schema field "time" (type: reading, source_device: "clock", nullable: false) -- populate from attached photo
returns 11:24
